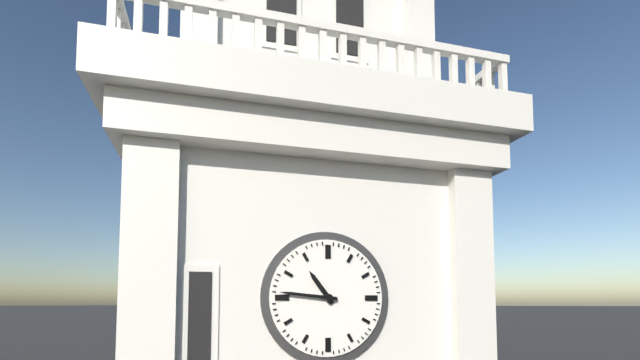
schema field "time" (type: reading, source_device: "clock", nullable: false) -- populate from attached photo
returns 10:46
